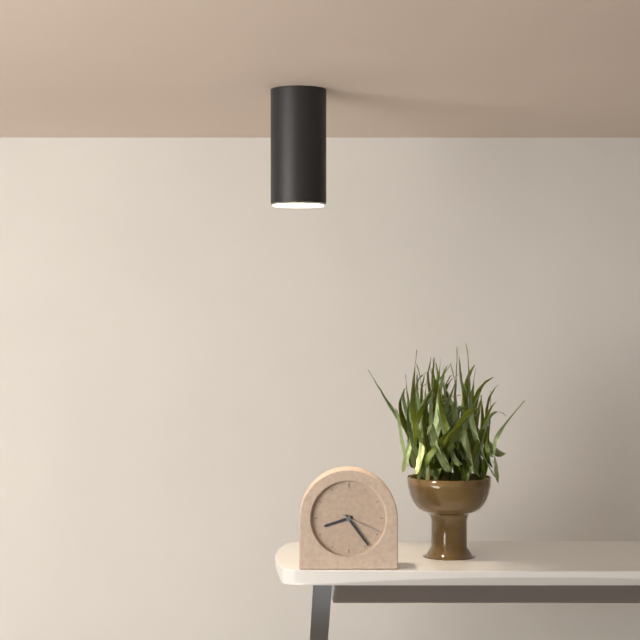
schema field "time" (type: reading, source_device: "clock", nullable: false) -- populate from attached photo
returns 8:24
